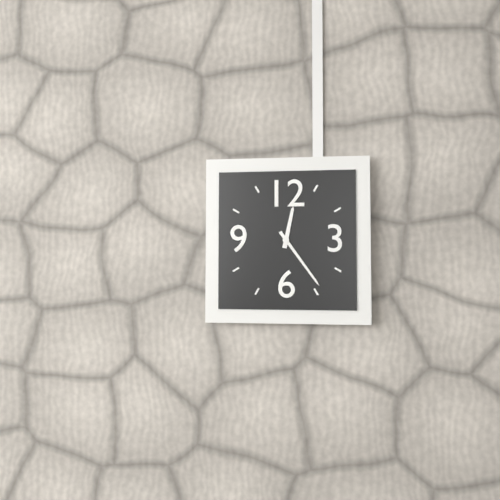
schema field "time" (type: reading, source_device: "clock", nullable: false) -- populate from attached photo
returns 12:24
